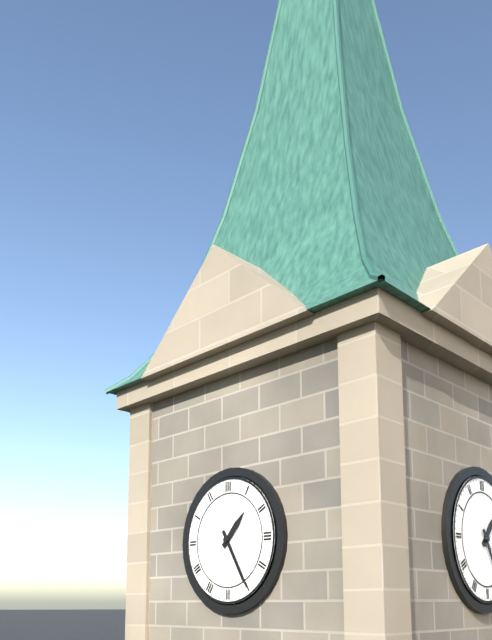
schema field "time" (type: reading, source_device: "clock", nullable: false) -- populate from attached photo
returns 1:25
